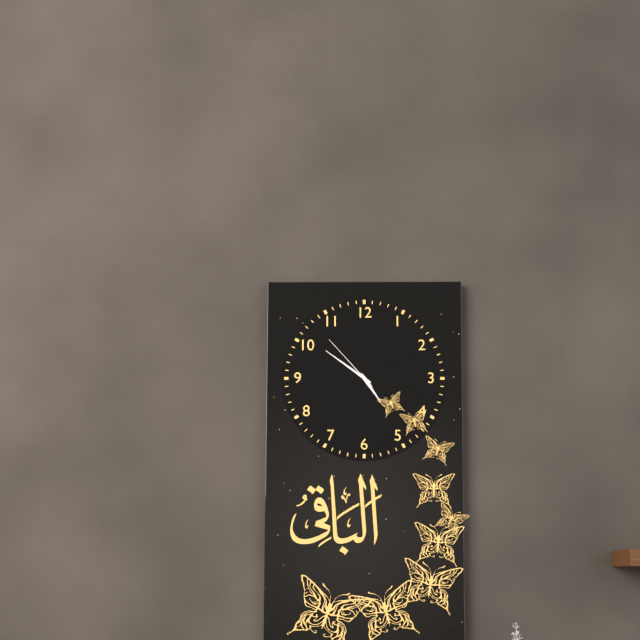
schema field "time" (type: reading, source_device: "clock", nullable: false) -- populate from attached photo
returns 4:51:53
